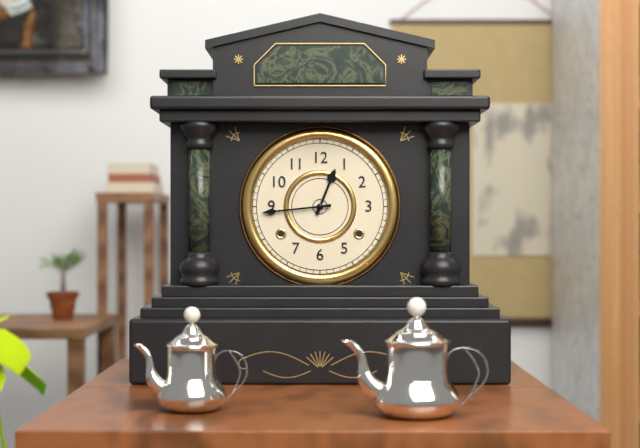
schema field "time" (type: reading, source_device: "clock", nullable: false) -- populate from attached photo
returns 12:44
